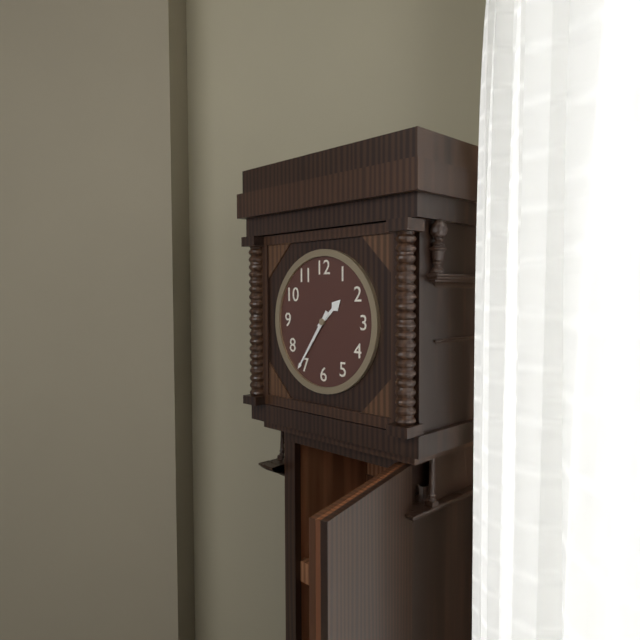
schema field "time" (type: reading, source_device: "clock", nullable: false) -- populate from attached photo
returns 1:36
